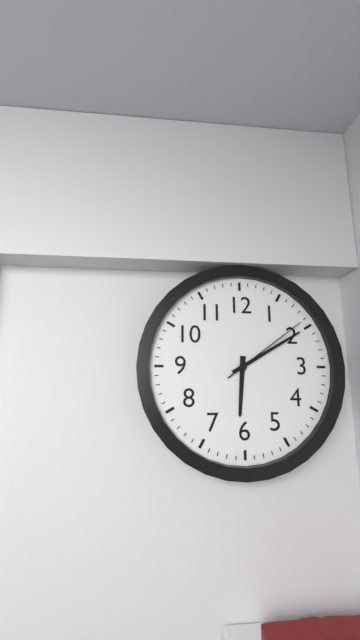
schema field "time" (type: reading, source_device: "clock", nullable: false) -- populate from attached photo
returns 6:10:09
